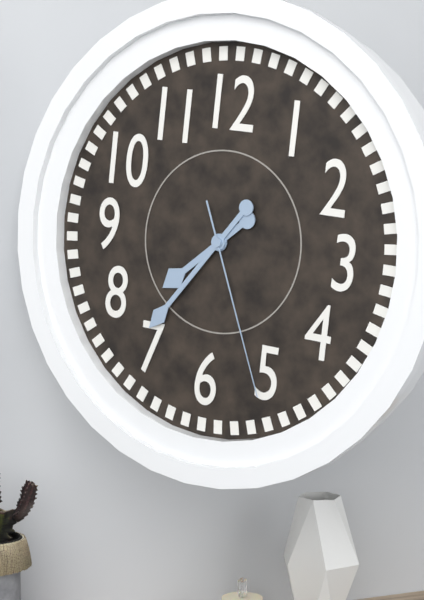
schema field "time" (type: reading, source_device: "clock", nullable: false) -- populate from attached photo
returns 7:36:26
